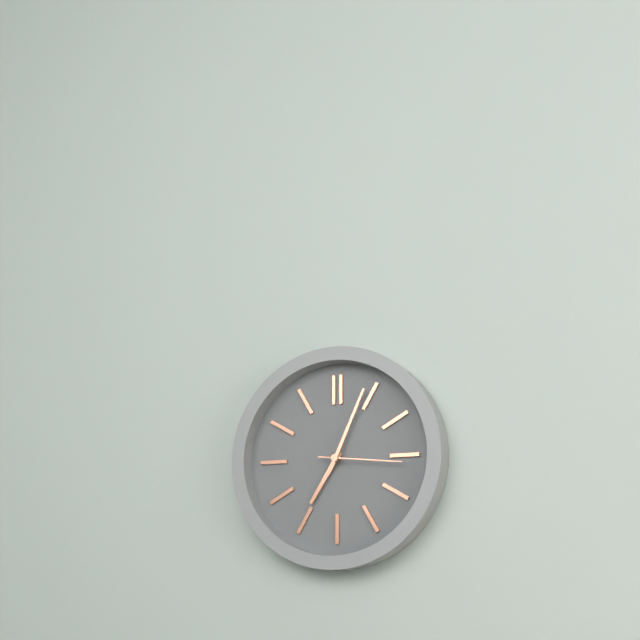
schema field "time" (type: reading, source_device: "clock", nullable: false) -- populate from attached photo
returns 7:04:16
